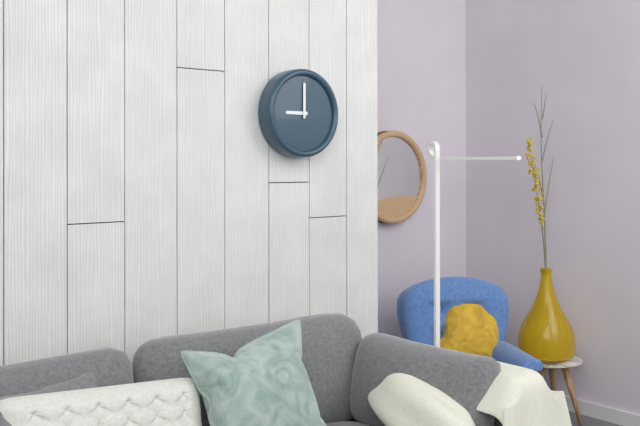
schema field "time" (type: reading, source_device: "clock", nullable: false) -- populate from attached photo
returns 9:00
